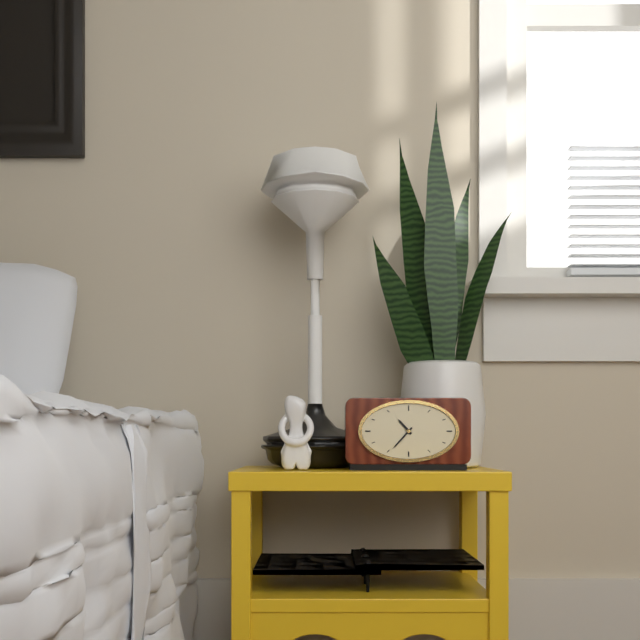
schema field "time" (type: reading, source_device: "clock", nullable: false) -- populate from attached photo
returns 10:37
